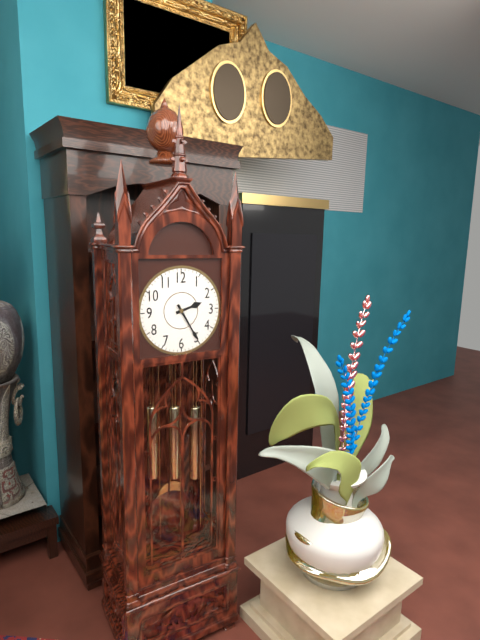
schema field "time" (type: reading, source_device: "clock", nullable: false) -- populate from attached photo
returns 2:25
